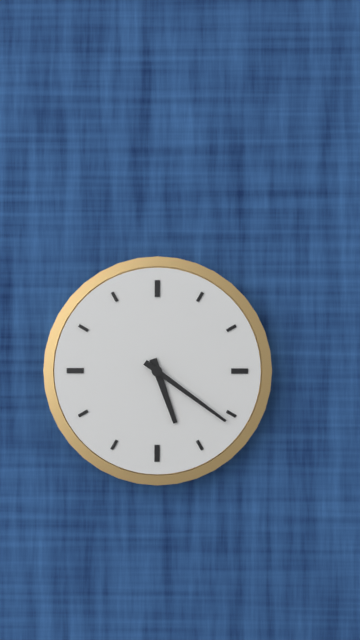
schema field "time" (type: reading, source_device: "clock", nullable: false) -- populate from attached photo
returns 5:21
